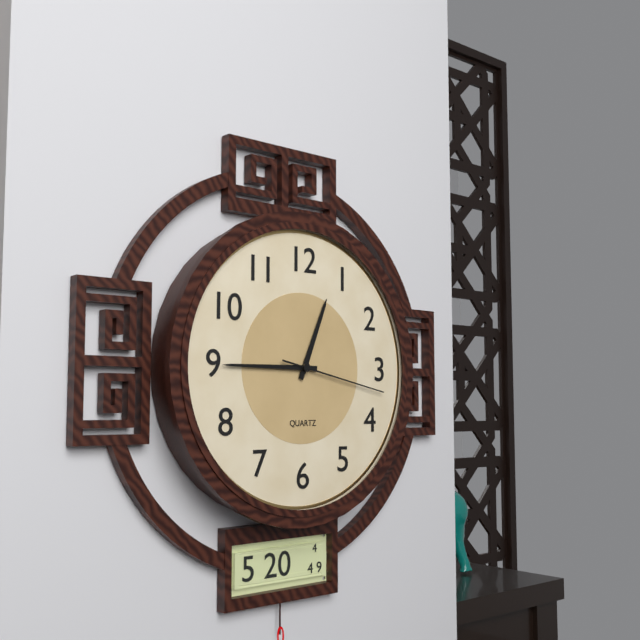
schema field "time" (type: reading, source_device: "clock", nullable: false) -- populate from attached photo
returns 12:45:17
